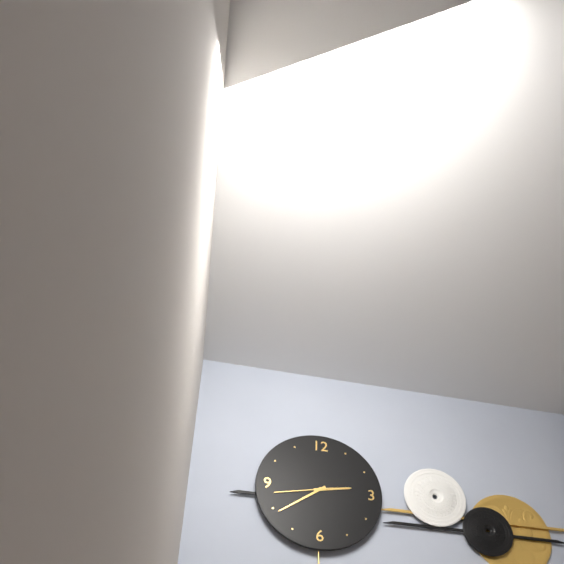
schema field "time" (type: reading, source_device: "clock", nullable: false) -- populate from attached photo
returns 2:39:43
